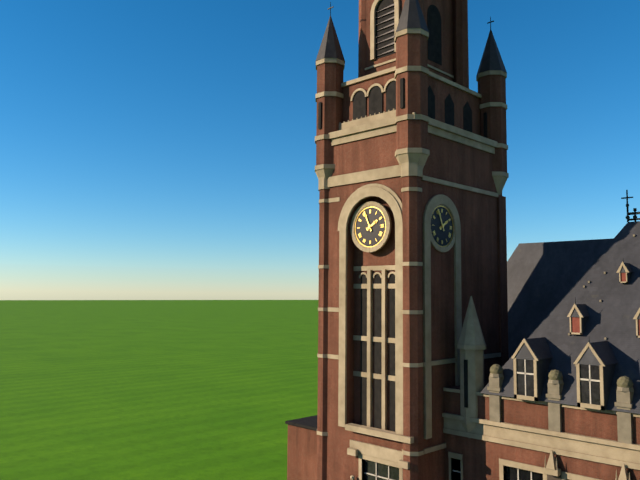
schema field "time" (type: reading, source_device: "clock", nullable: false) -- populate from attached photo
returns 1:56
